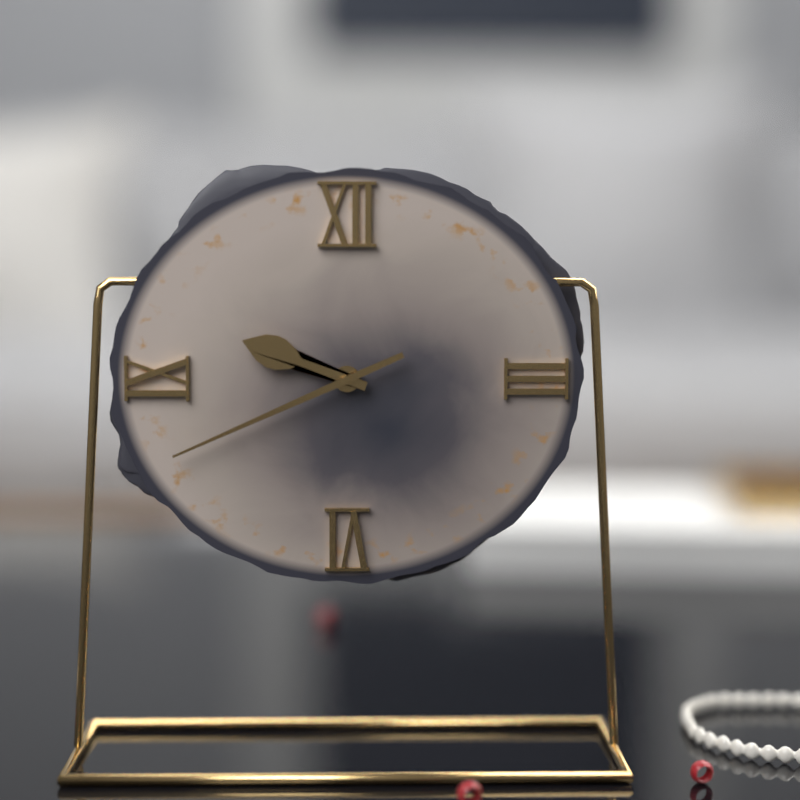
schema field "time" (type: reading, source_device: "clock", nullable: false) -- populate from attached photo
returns 9:41
